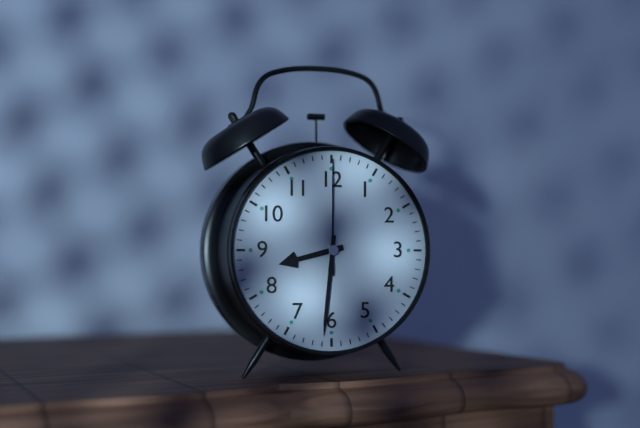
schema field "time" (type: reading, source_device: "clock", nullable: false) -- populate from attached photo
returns 8:31:00
